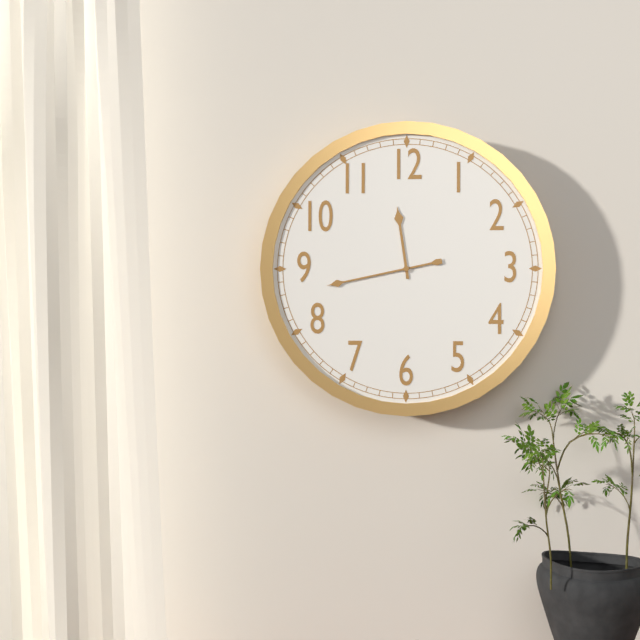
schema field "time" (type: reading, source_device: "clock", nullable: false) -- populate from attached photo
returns 11:43
